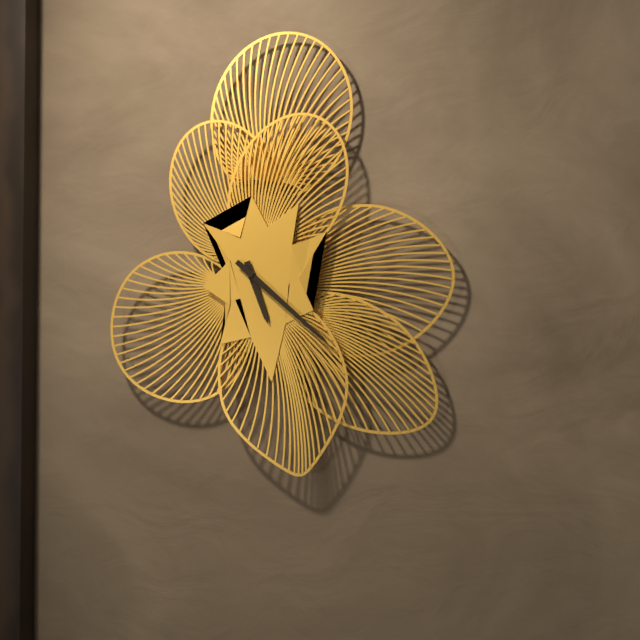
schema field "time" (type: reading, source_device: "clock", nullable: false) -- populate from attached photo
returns 5:22
